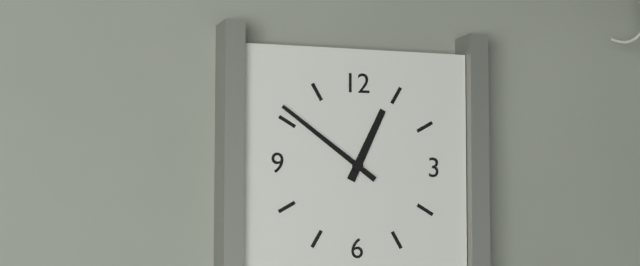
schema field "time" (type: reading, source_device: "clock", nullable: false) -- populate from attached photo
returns 12:51
